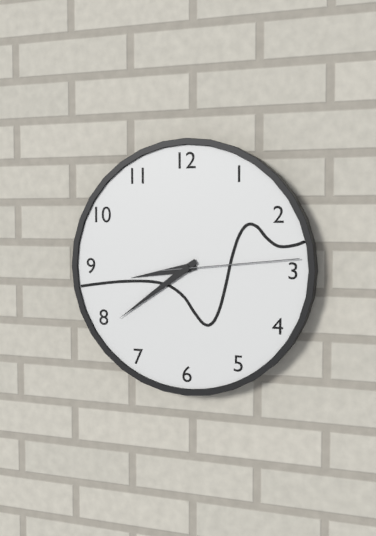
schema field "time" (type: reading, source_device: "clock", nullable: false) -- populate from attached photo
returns 8:39:14
